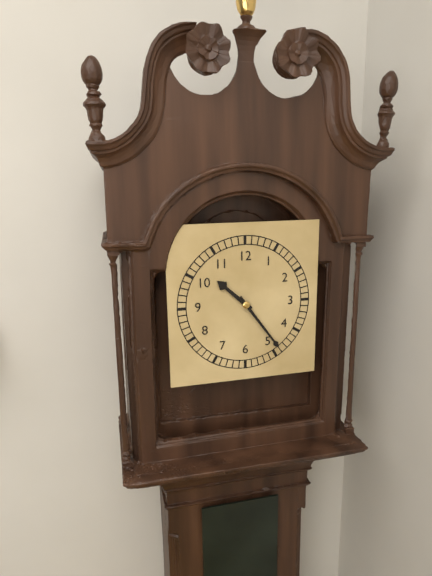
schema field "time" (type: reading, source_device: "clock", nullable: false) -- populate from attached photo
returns 10:24
